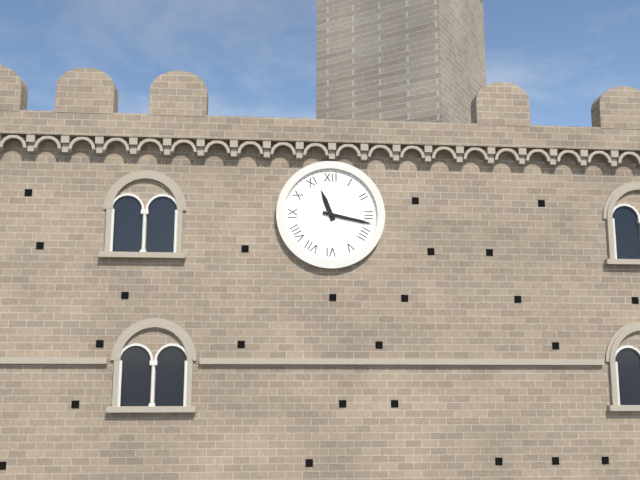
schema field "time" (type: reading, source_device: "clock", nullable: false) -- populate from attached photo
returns 11:17
